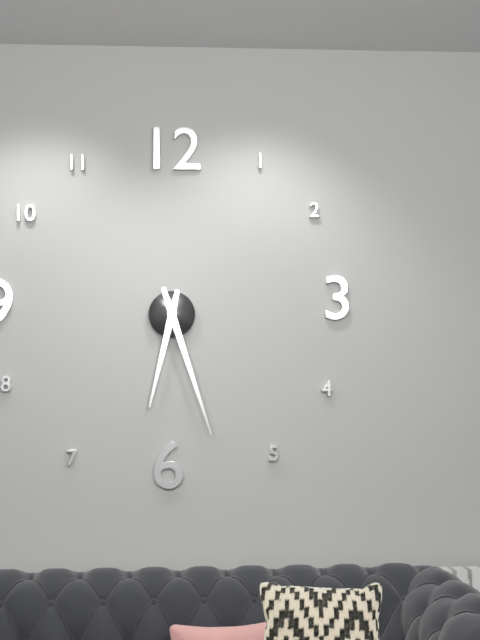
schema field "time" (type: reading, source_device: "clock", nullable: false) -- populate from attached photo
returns 6:27
